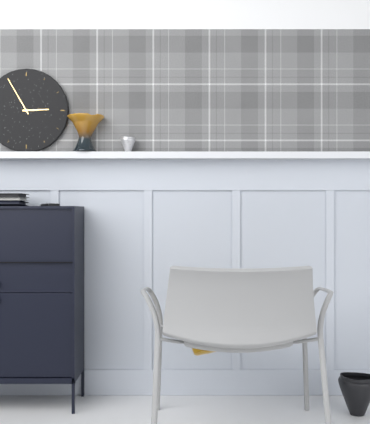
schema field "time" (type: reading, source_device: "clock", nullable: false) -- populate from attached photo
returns 2:55
